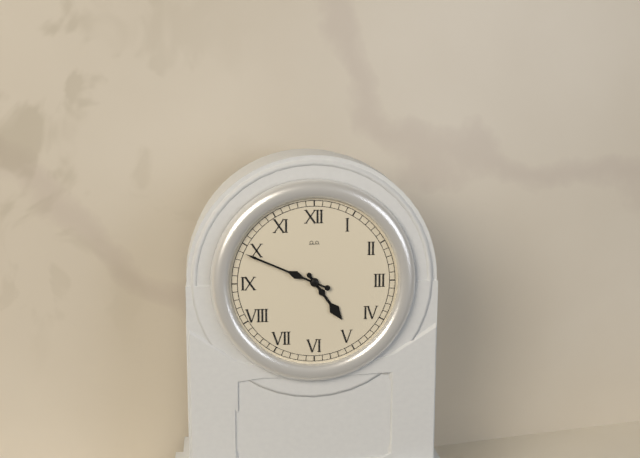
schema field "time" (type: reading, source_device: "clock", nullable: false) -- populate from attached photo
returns 4:49
